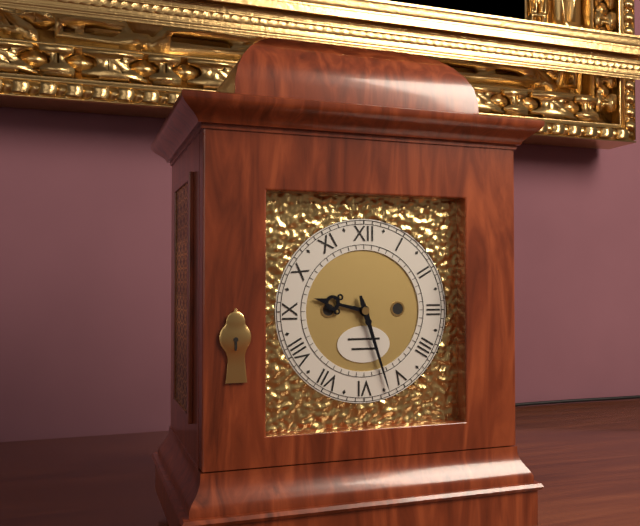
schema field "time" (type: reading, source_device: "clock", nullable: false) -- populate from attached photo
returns 9:27
